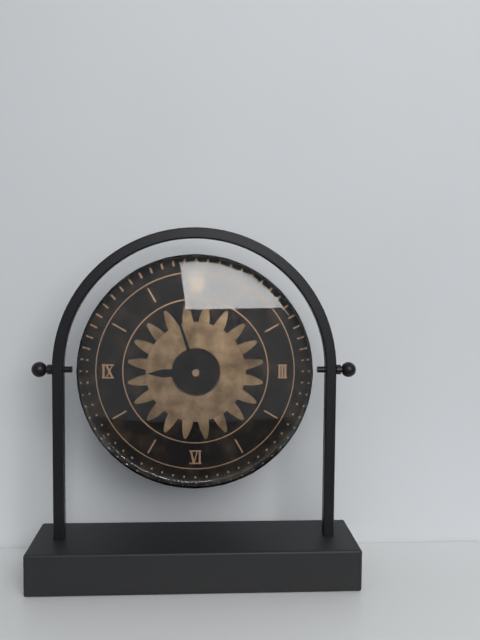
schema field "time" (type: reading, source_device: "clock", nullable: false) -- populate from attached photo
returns 8:57
